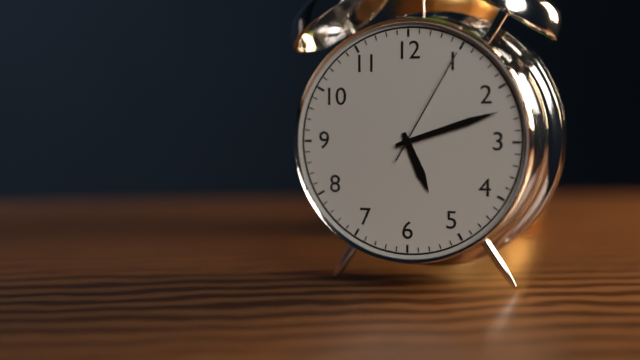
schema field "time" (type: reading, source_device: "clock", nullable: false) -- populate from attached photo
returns 5:12:05
